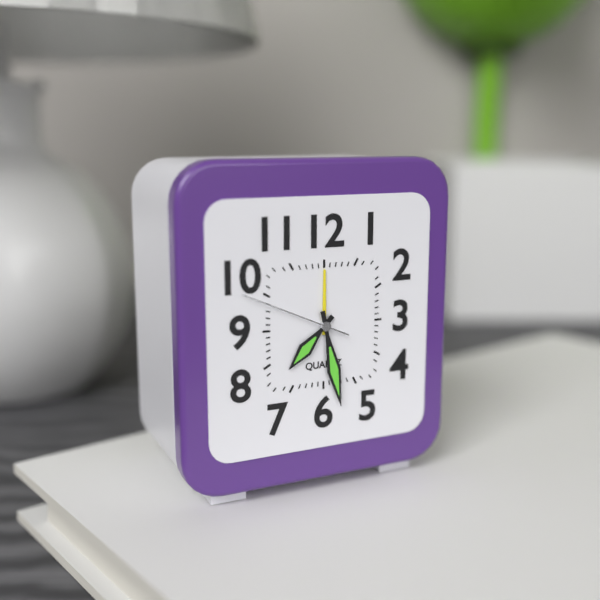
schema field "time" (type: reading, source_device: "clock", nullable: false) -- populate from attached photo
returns 7:28:49
